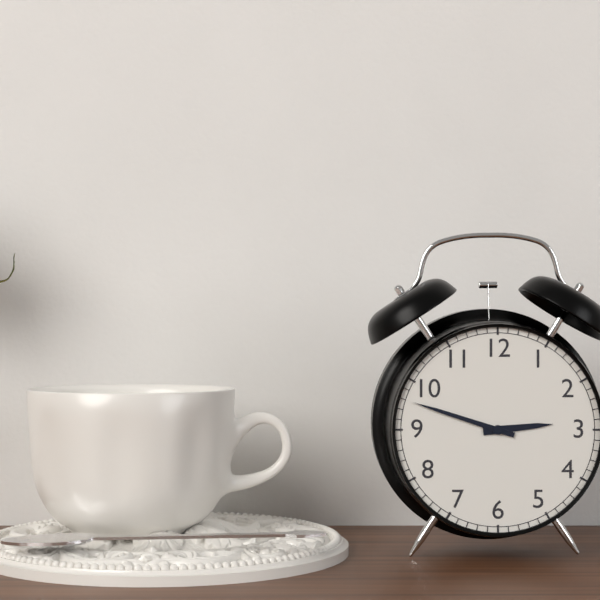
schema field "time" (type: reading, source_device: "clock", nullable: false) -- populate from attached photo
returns 2:48
